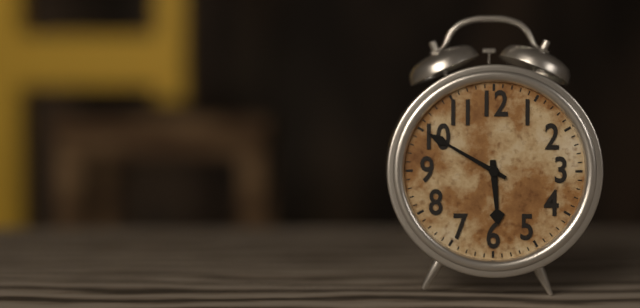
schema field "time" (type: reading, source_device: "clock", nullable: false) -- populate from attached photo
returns 5:50
